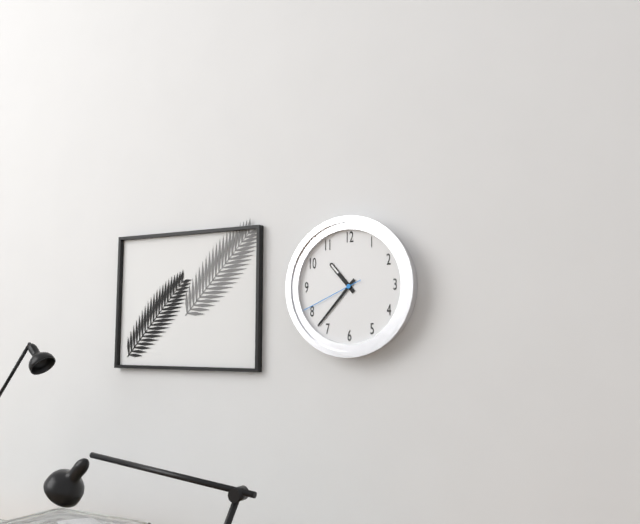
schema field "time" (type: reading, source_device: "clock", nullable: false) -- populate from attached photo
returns 10:37:41
